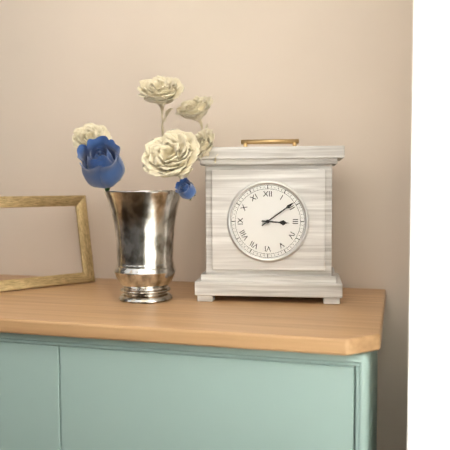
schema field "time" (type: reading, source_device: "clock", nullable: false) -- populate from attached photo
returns 3:09
